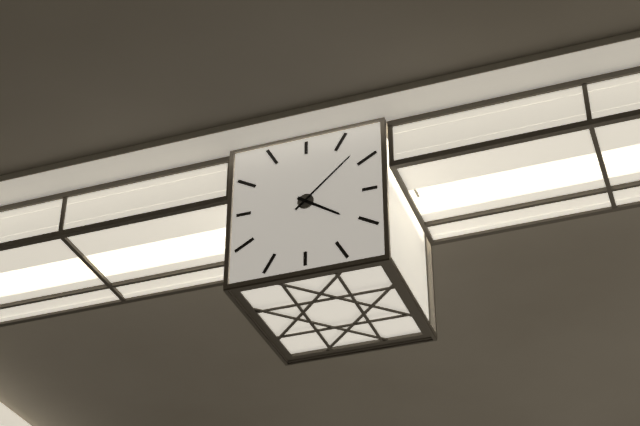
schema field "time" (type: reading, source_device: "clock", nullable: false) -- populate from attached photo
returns 4:08
